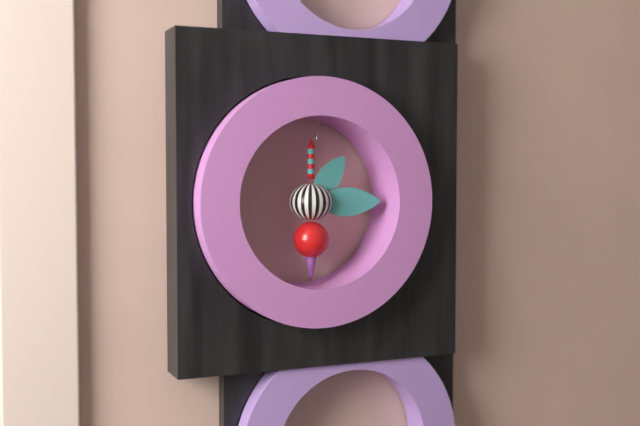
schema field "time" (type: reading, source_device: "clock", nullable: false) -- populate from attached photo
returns 1:15
